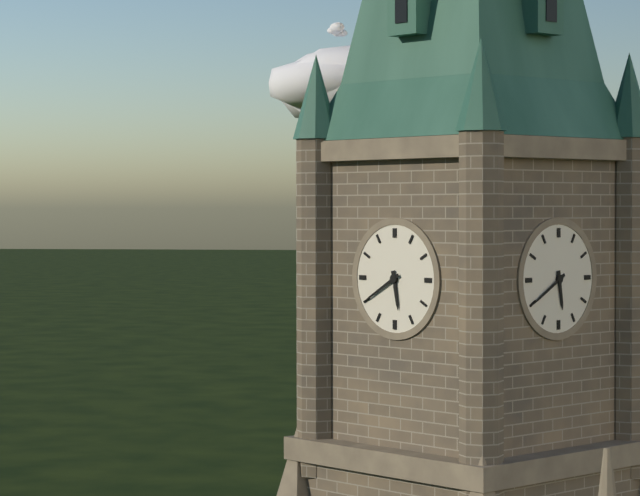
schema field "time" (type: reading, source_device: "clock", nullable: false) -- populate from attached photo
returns 5:40
